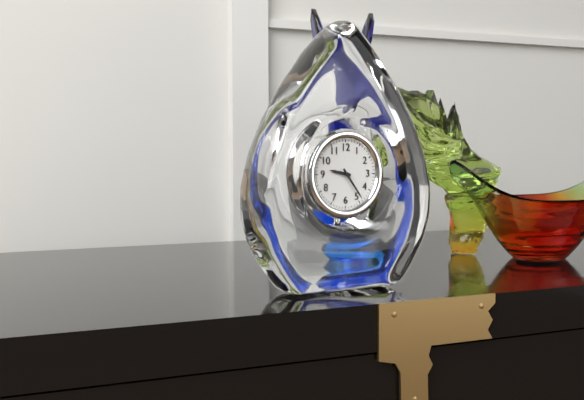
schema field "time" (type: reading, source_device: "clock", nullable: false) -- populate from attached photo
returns 9:24
